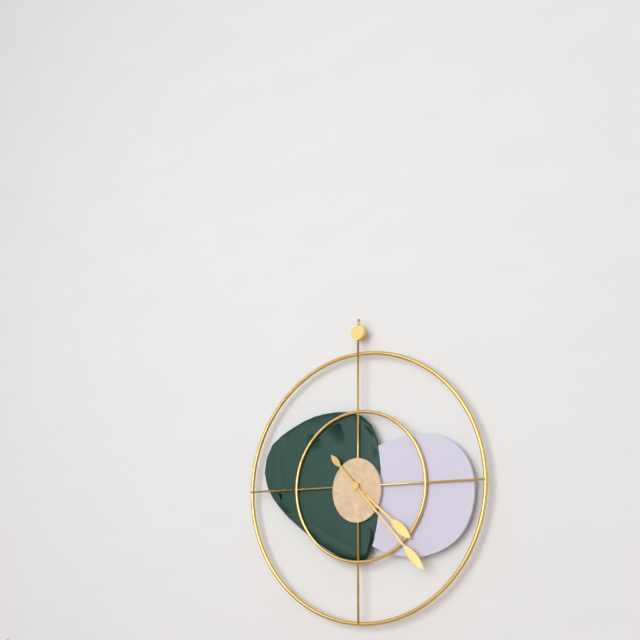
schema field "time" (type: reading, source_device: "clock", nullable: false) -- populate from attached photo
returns 4:23
